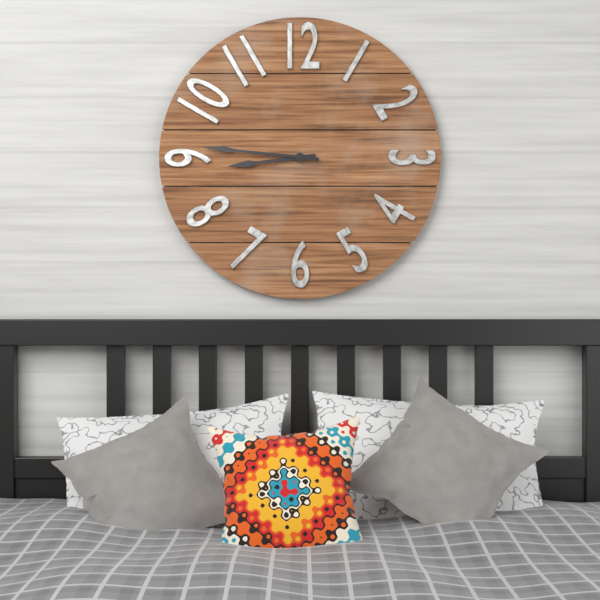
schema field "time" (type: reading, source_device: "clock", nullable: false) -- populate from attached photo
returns 8:46
